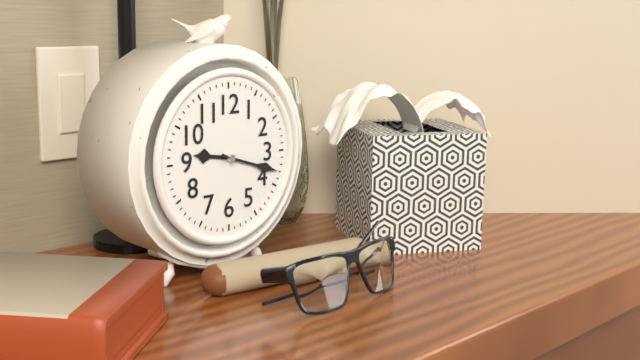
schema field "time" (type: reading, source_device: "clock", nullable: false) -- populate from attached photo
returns 9:18
